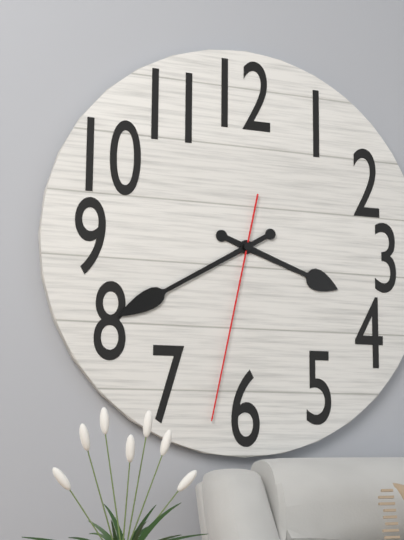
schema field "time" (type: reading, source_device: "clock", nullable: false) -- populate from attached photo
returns 3:40:32
